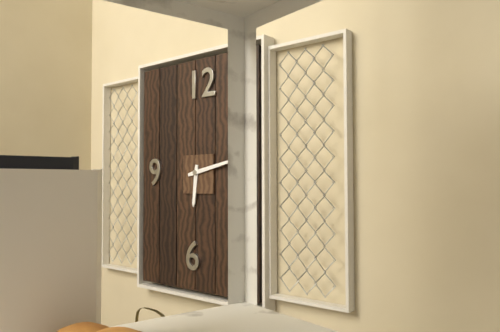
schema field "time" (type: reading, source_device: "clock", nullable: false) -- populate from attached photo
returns 6:13
